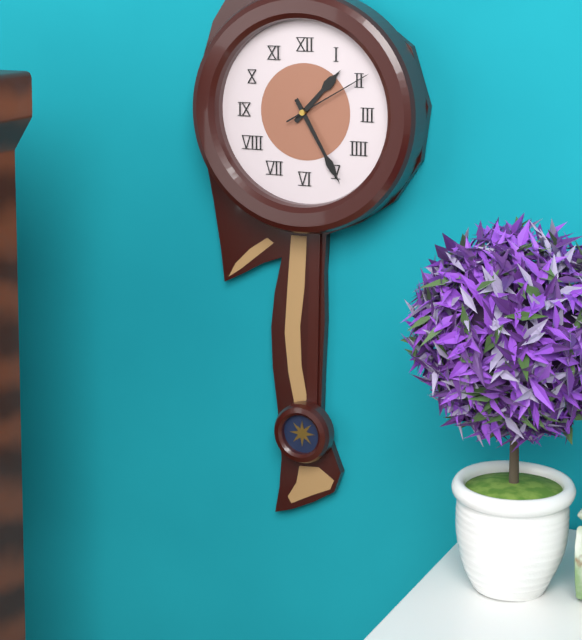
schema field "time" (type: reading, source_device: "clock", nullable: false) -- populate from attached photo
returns 1:25:10
